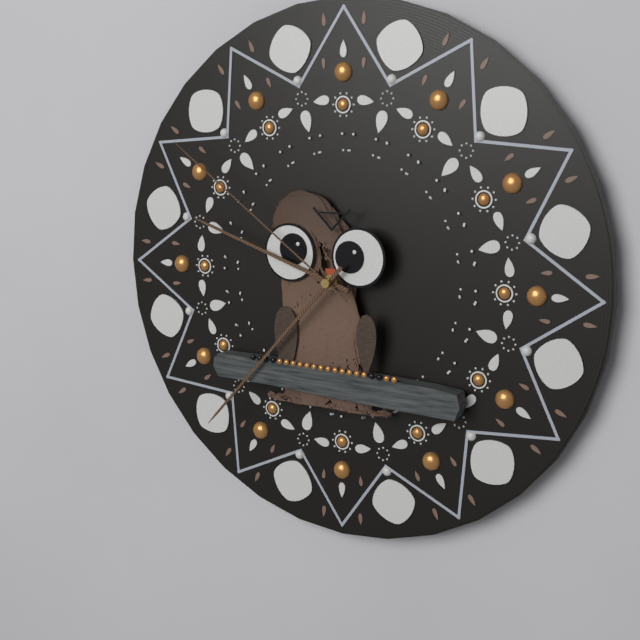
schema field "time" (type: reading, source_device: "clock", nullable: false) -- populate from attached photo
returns 9:37:51
